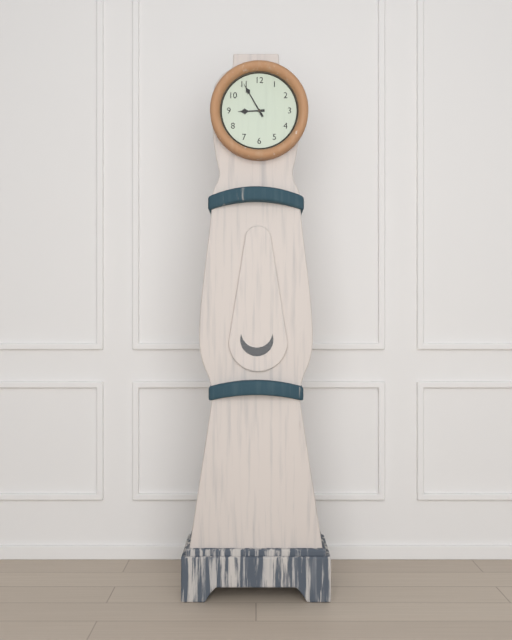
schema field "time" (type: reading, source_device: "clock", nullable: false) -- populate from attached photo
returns 8:55
